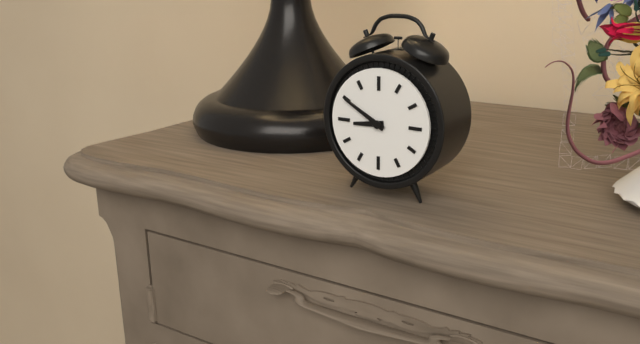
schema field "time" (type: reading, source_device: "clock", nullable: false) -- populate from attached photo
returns 8:50
